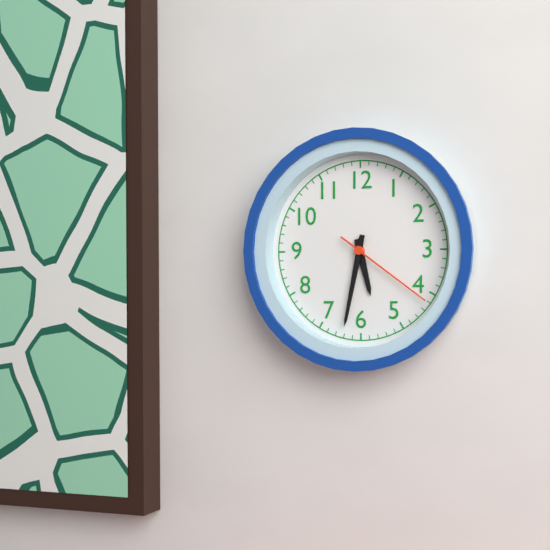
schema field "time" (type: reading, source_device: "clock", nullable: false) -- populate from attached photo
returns 5:32:21
